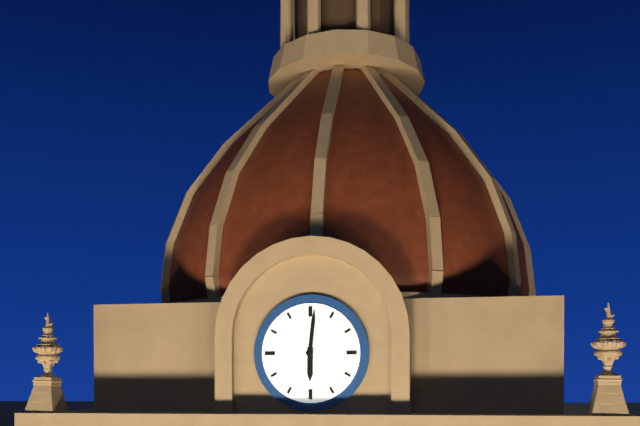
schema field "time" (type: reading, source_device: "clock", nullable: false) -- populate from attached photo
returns 6:01
